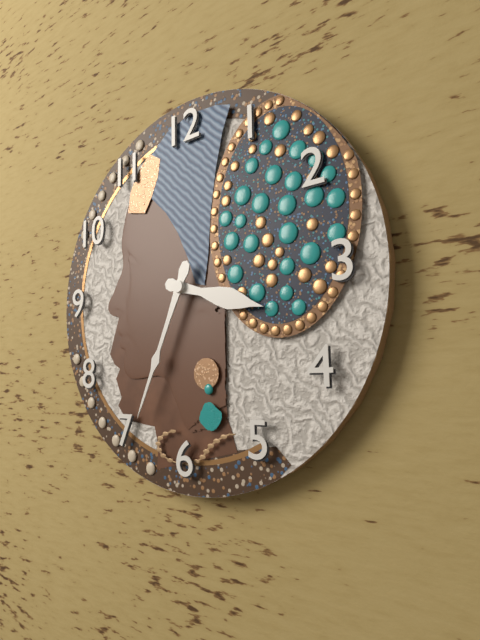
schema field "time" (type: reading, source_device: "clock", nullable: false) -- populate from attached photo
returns 3:34
